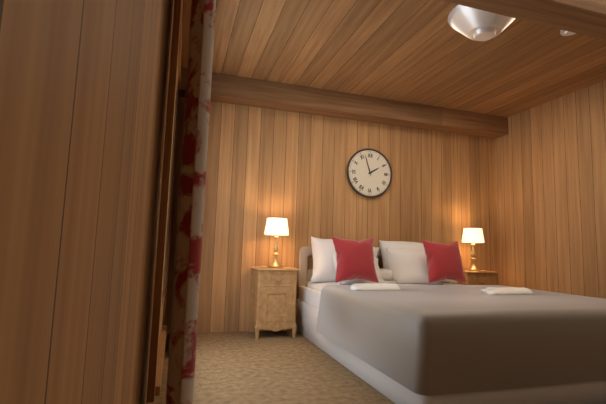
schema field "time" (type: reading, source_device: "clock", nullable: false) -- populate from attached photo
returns 1:57
